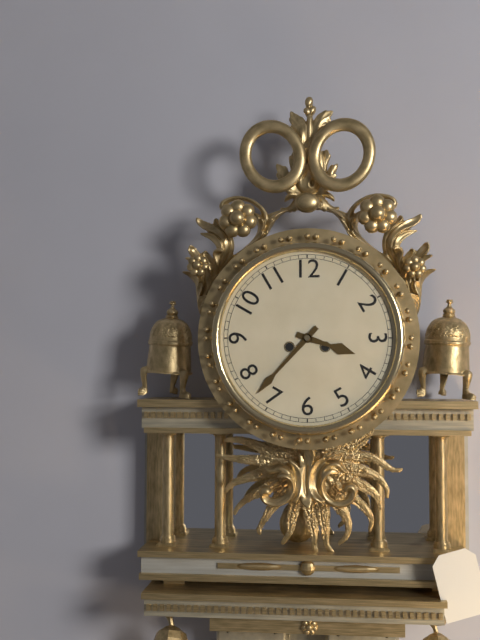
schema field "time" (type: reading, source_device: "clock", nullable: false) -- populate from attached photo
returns 3:37
